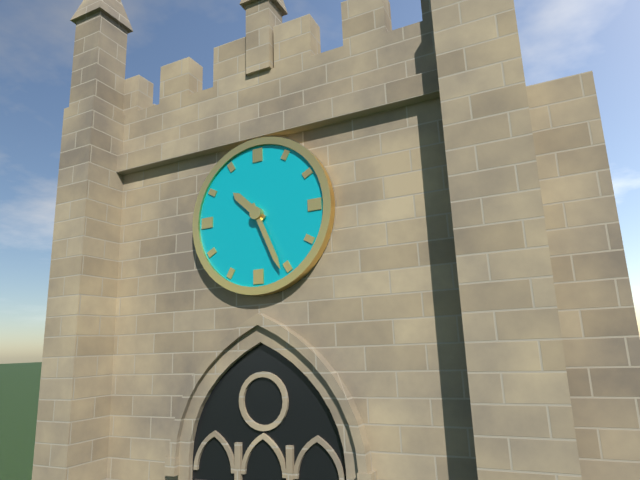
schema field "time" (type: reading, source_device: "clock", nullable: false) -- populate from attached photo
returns 10:26
